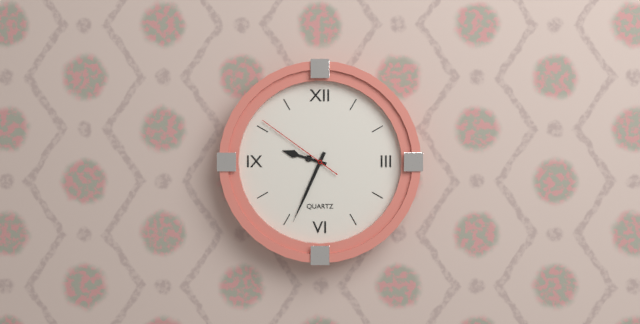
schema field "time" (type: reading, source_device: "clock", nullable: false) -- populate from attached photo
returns 9:34:51
